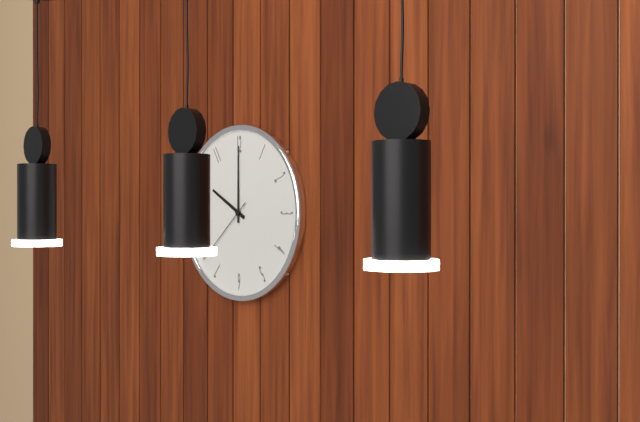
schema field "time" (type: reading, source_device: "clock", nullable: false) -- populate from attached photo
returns 10:00:38
